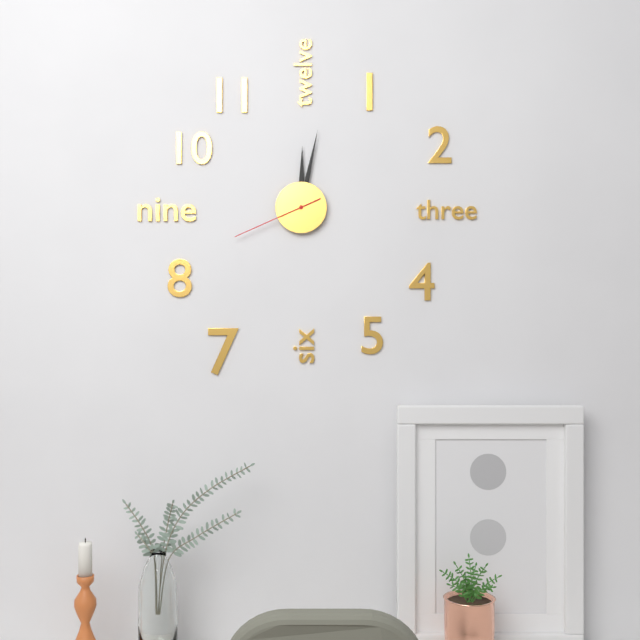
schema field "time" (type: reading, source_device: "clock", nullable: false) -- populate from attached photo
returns 12:02:41
